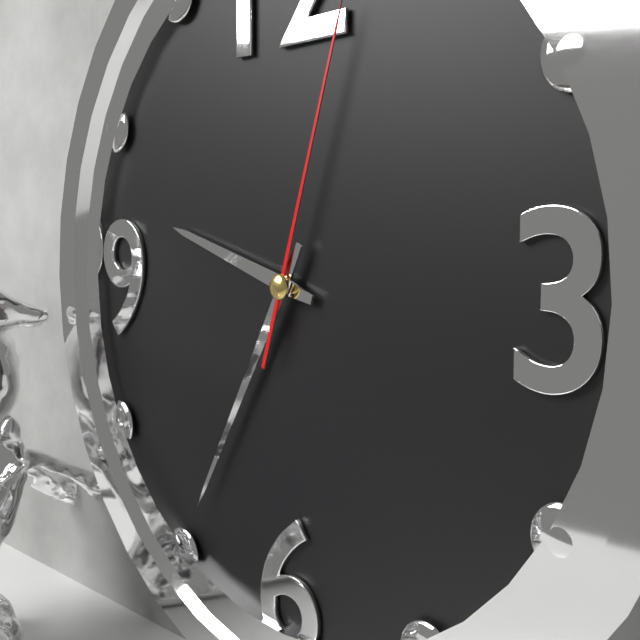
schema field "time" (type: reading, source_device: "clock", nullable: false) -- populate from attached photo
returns 9:35:03
